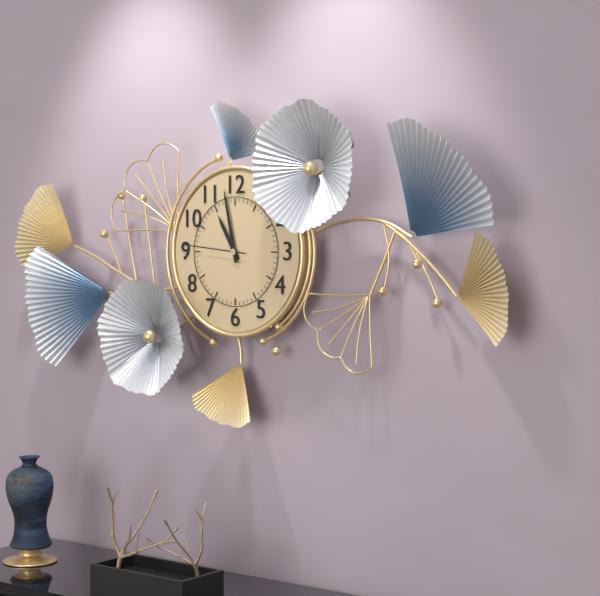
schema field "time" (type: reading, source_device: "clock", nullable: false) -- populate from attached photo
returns 10:58:46
